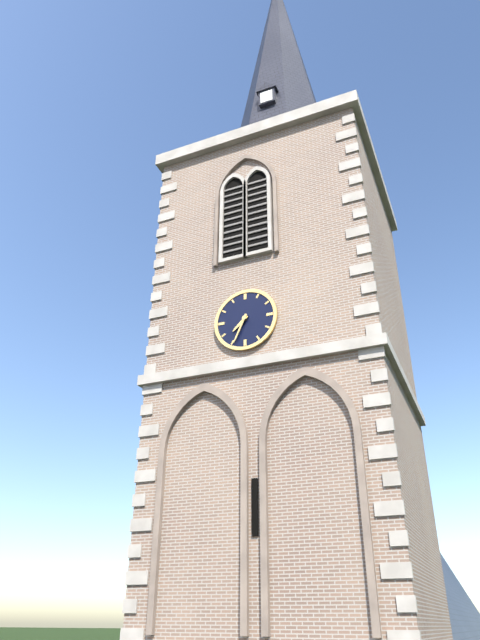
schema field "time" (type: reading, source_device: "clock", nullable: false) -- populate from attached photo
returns 7:34
